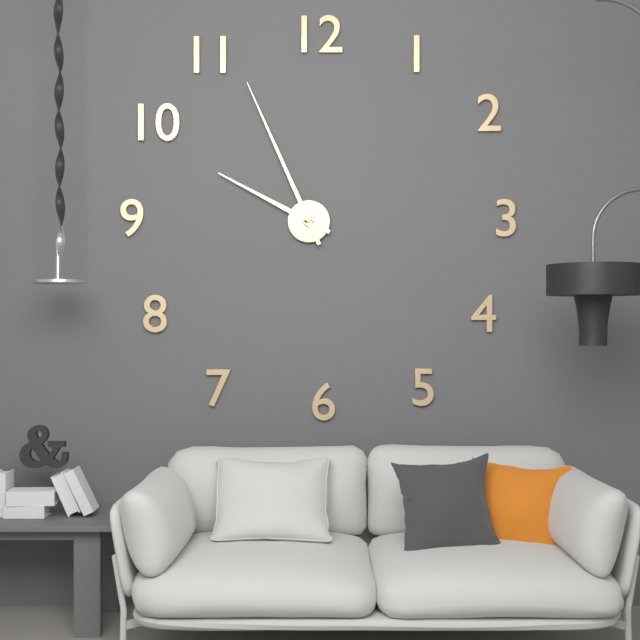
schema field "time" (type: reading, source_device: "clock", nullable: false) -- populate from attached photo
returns 9:56
